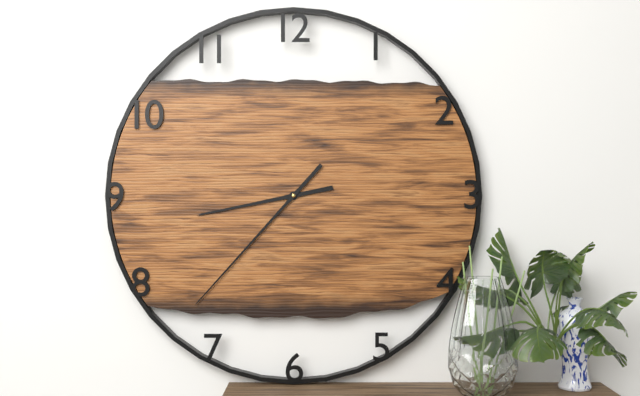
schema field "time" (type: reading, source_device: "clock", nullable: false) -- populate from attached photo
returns 8:37
